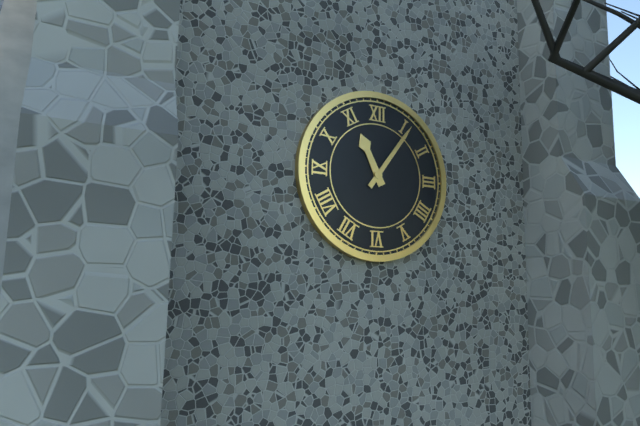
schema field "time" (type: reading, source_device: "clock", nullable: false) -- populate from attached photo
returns 11:06
